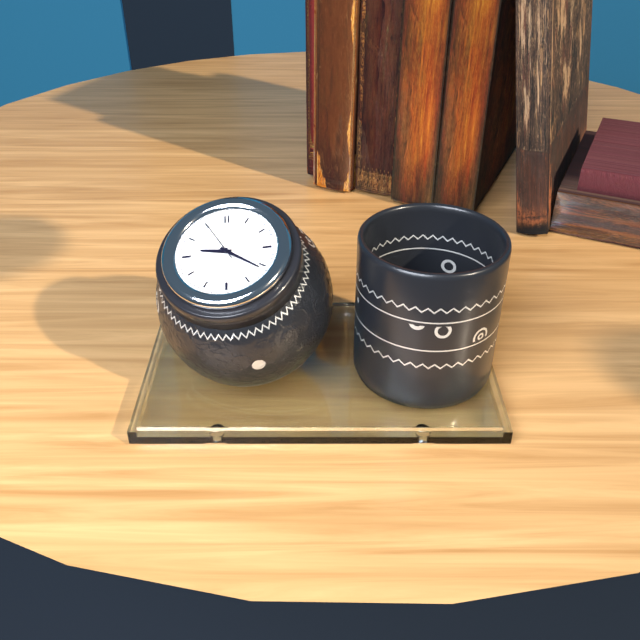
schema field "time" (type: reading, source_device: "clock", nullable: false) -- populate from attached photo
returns 9:21
